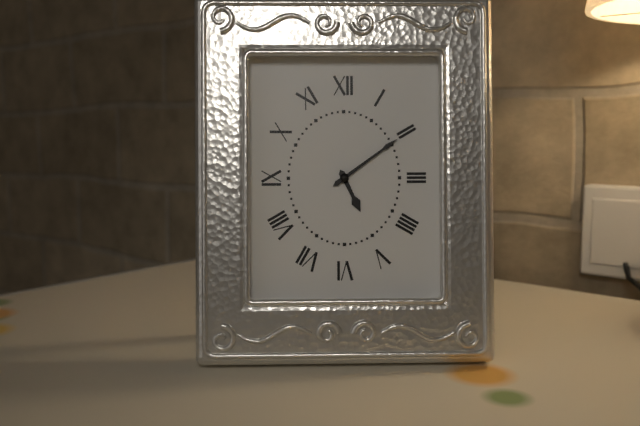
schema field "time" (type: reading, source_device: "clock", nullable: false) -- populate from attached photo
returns 5:09
